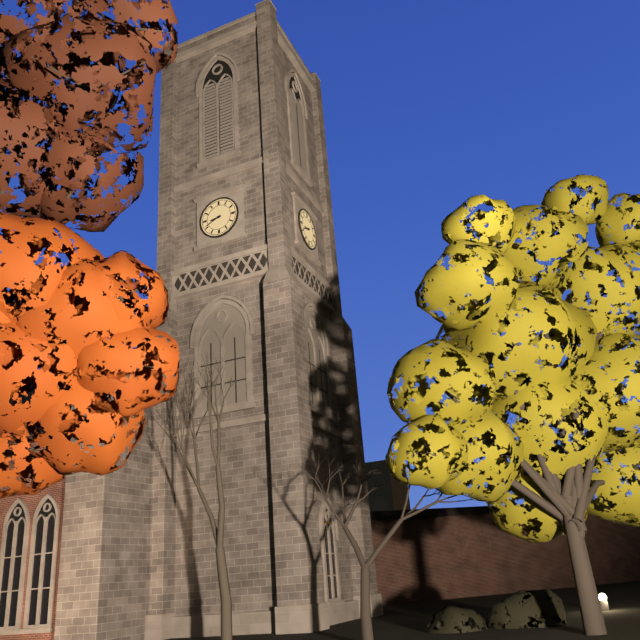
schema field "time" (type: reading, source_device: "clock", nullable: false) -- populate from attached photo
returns 8:41
